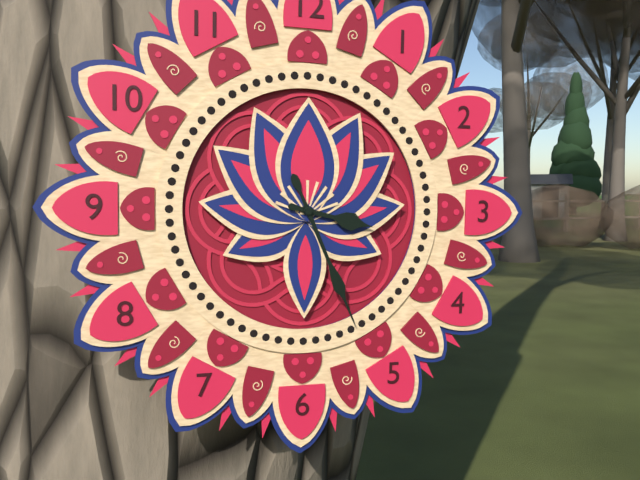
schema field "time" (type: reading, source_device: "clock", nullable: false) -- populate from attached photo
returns 3:26
